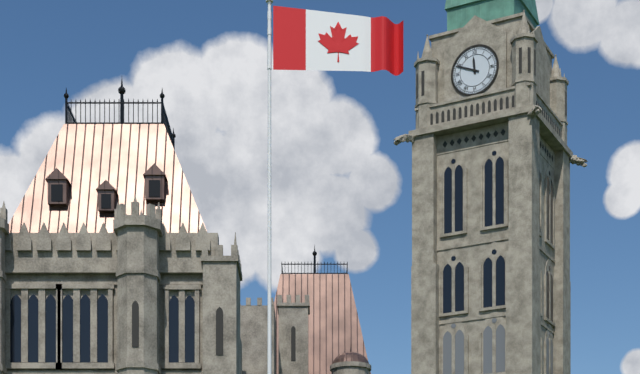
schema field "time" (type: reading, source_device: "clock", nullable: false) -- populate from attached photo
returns 11:49
